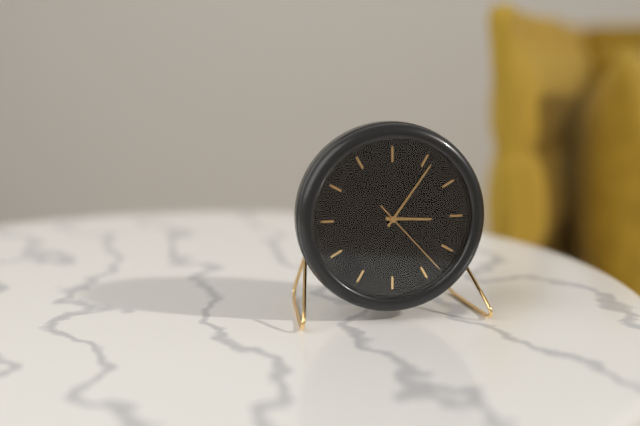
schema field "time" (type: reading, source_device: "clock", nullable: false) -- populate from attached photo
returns 3:06:23
